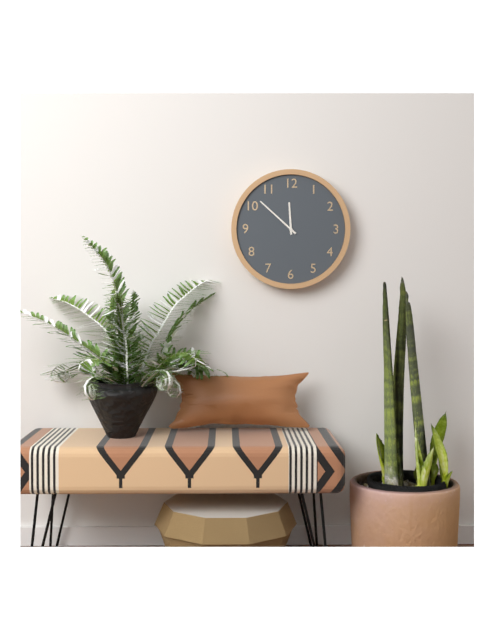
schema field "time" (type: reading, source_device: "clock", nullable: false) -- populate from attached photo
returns 11:52
